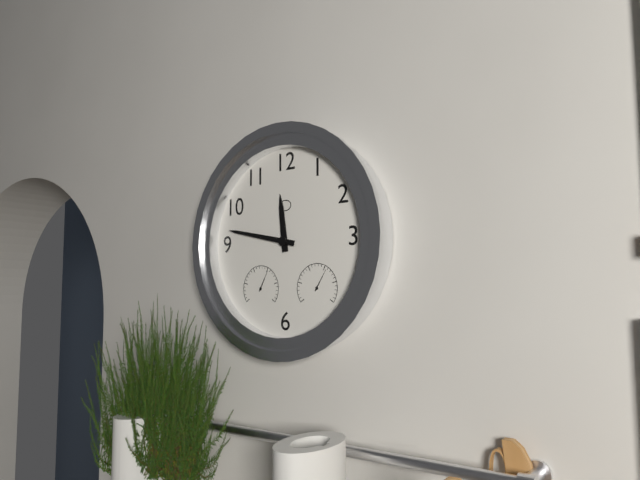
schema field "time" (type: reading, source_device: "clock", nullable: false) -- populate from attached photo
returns 11:47
